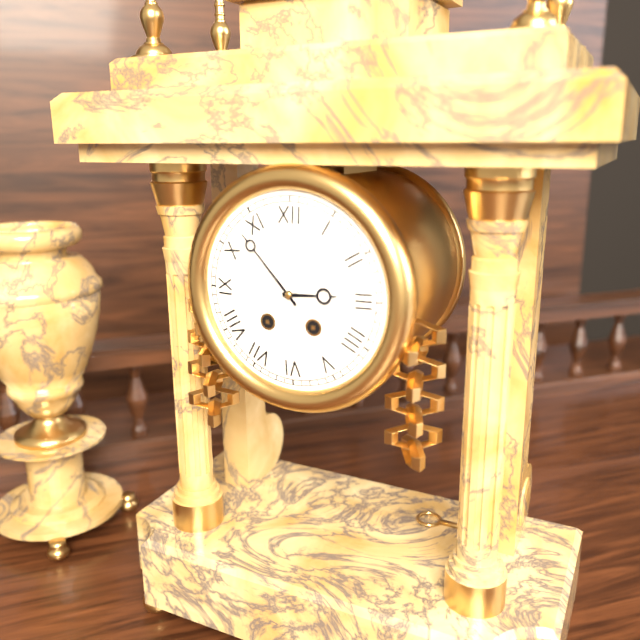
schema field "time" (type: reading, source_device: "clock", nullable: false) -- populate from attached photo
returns 2:53
